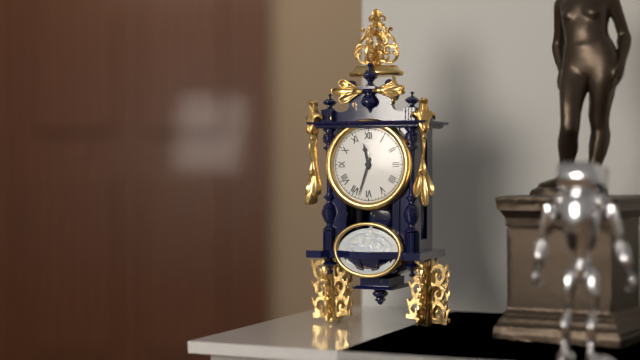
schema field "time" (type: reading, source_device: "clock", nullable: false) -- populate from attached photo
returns 11:33
